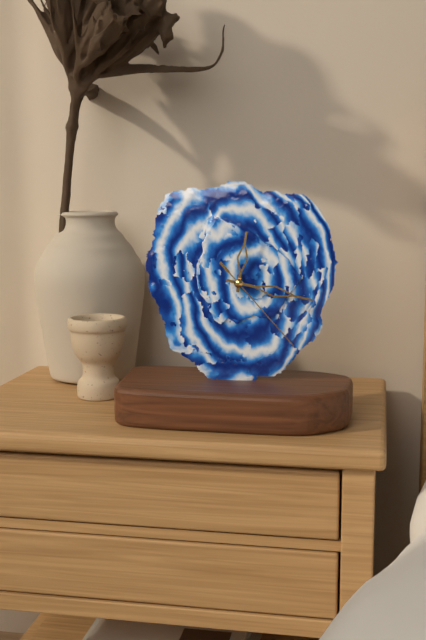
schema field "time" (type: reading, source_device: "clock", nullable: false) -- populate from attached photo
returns 12:17:23
